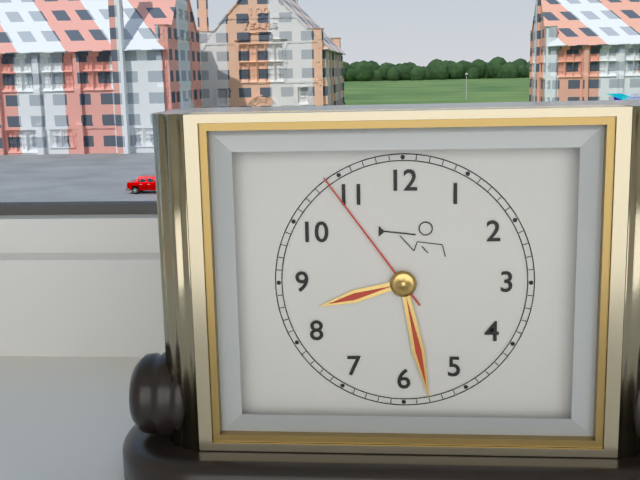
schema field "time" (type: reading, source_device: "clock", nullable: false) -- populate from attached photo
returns 8:28:54
